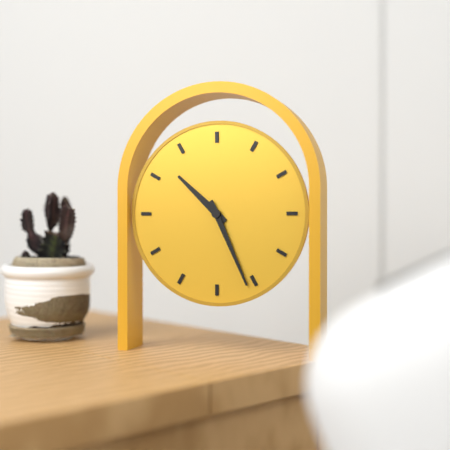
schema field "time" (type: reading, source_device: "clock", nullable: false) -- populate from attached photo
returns 10:26
